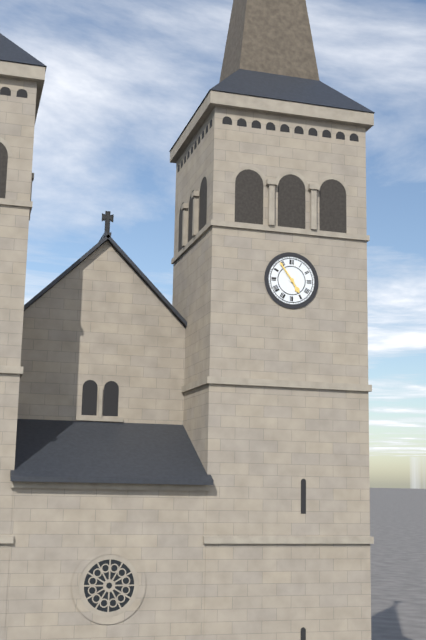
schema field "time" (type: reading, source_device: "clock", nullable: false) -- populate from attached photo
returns 4:54
